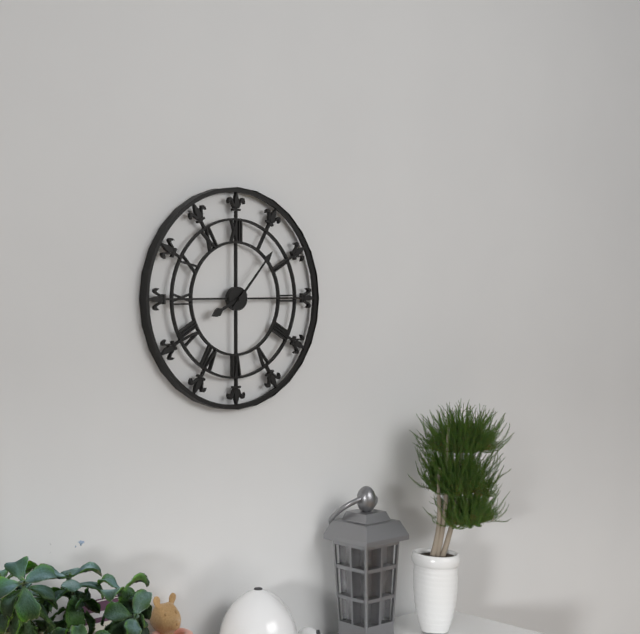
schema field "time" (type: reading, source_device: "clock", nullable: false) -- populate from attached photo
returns 8:07
